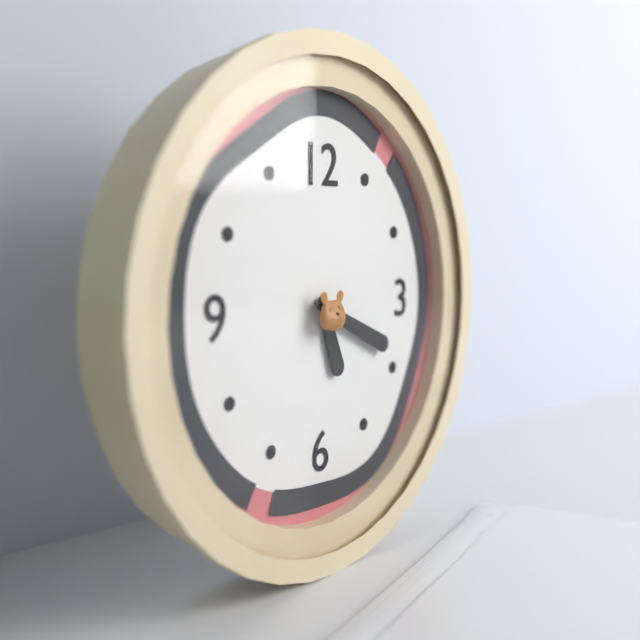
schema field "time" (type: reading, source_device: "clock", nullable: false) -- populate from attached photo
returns 5:19
